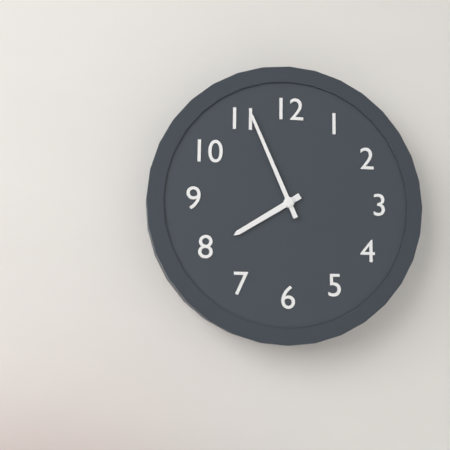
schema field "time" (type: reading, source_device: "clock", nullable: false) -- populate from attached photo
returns 7:56
